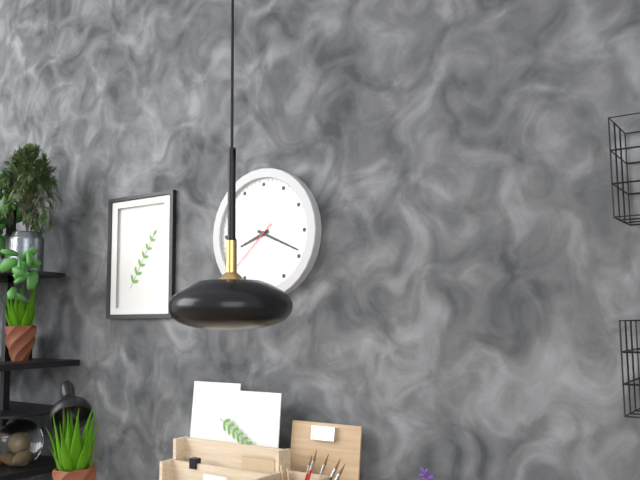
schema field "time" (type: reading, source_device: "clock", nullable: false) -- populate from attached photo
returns 8:19:38
